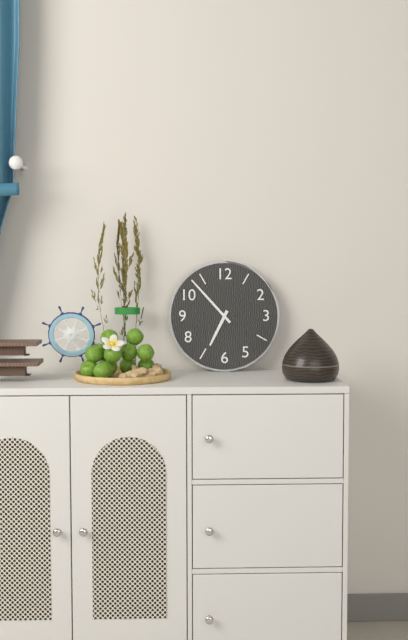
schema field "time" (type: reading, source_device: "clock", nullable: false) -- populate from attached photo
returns 6:53
